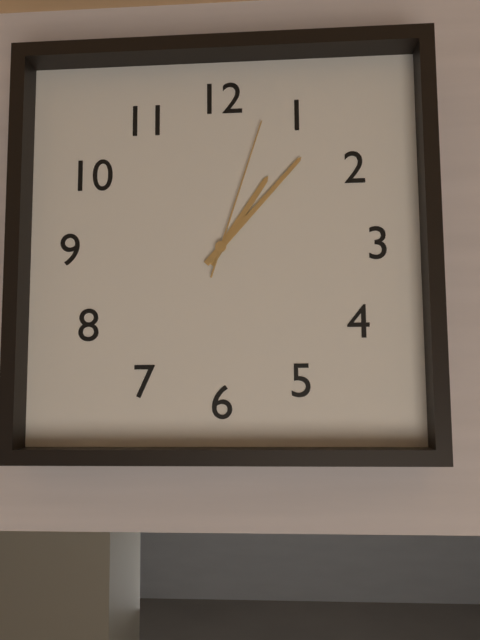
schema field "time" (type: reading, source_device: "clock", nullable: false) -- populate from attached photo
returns 1:07:03
